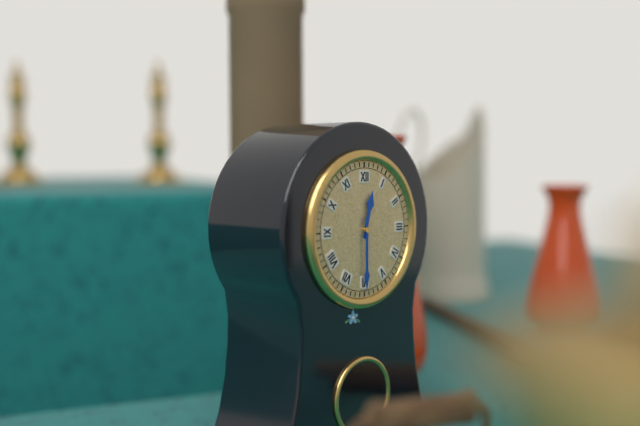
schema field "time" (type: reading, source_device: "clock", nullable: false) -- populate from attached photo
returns 12:30
